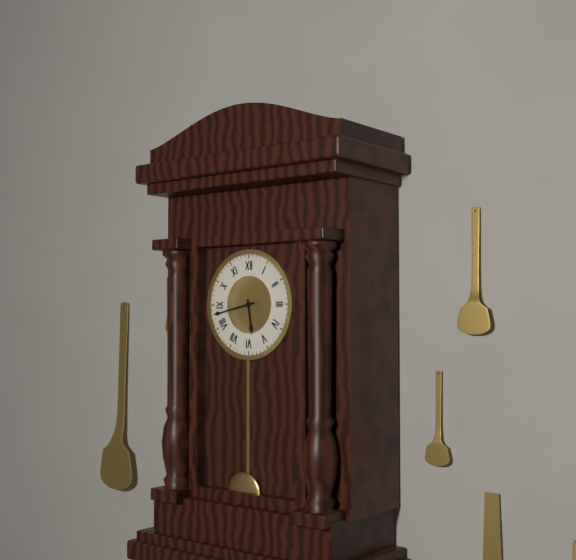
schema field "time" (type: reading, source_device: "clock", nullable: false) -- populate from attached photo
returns 5:43
